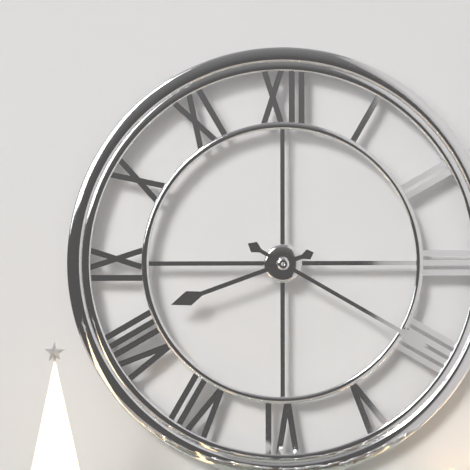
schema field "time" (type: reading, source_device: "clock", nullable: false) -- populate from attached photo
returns 8:20
